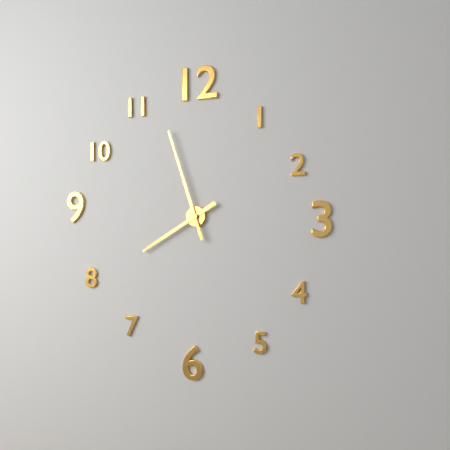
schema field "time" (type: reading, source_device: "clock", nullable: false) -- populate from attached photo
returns 7:57
